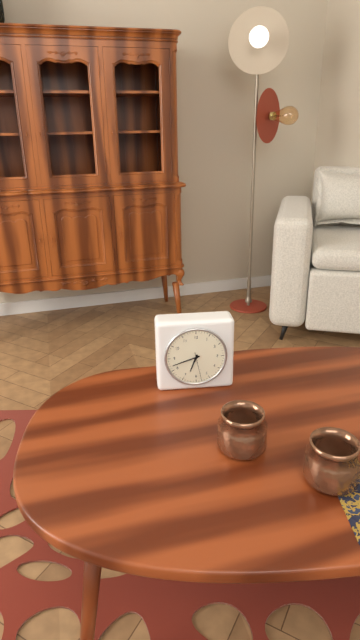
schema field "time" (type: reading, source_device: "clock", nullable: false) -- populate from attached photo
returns 6:42
